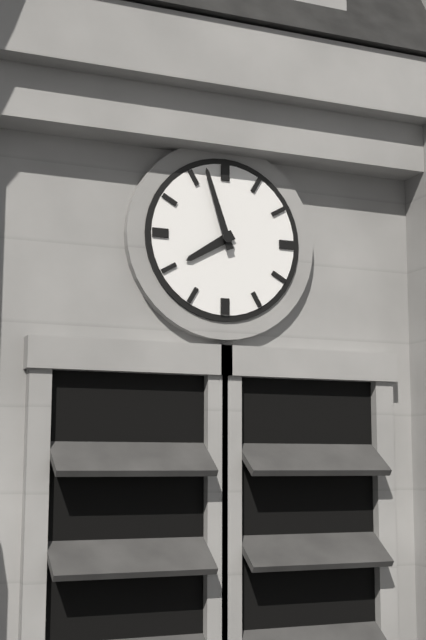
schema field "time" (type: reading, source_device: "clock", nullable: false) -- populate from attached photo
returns 7:57
